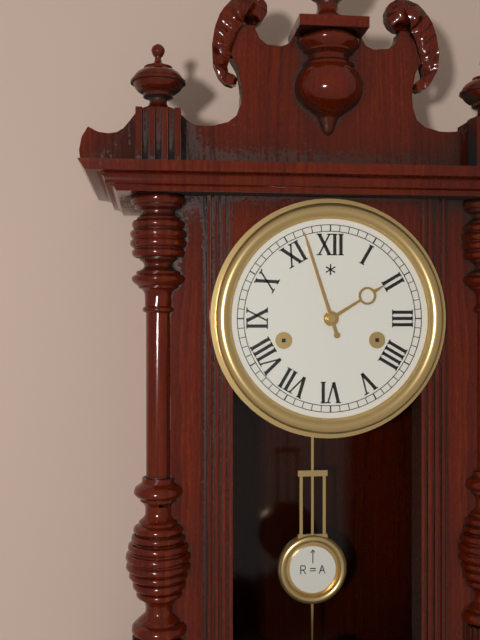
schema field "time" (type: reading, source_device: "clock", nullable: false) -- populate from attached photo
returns 1:57
